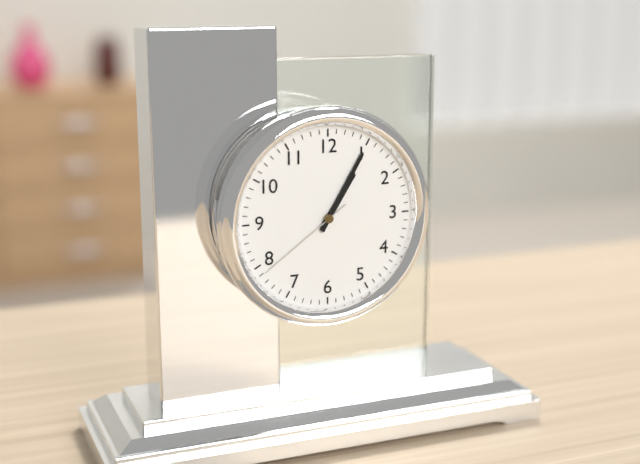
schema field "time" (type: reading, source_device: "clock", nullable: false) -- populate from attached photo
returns 1:05:39
